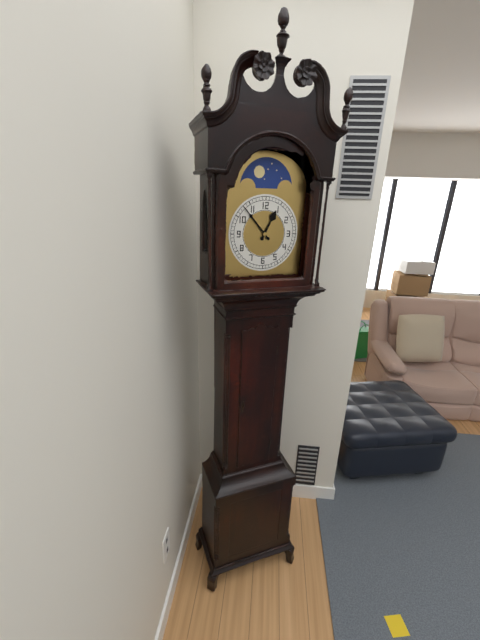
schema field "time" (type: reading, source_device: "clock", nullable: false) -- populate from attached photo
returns 12:53
